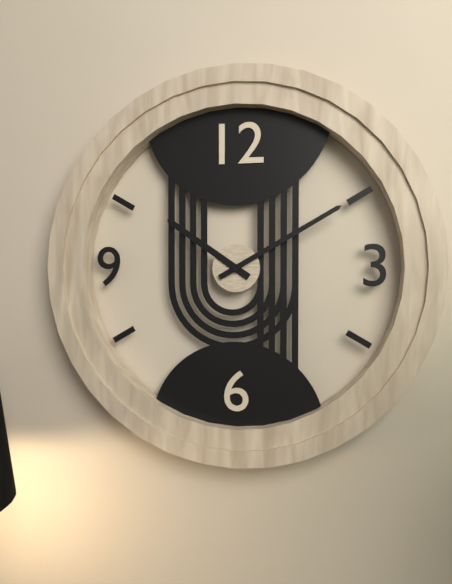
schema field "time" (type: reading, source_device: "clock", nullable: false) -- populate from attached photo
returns 10:10
